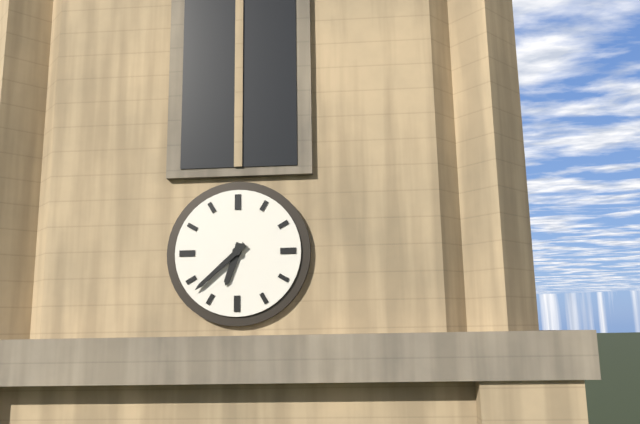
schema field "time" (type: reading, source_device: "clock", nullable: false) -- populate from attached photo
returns 6:38
